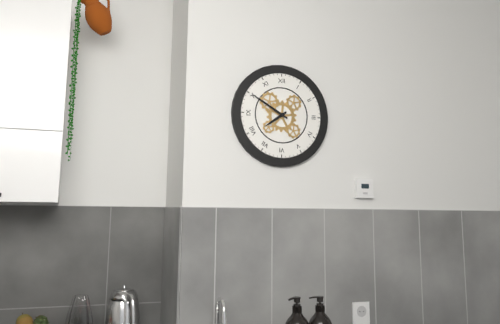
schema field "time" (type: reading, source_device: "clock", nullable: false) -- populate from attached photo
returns 7:50
